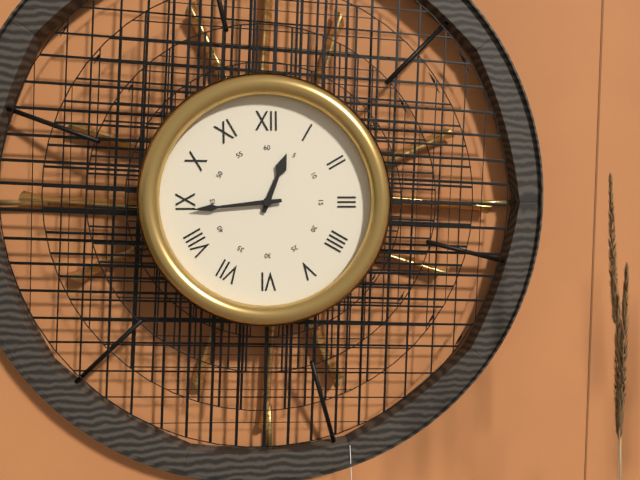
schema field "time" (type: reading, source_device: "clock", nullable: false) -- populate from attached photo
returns 12:44
